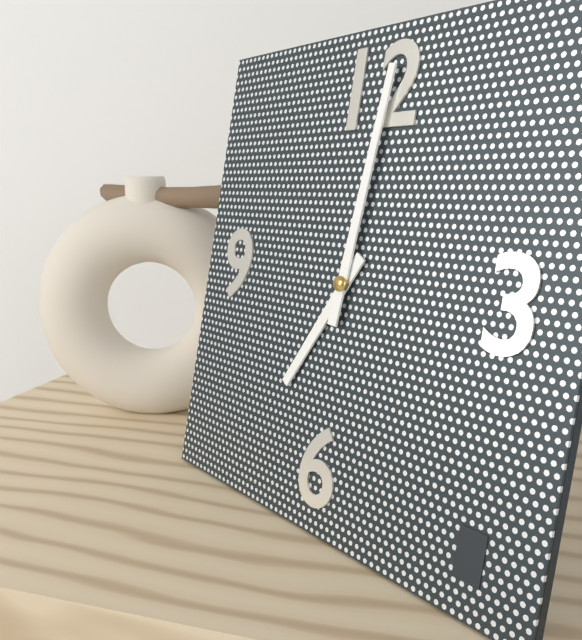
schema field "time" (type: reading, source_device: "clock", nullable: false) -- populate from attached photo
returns 7:01
